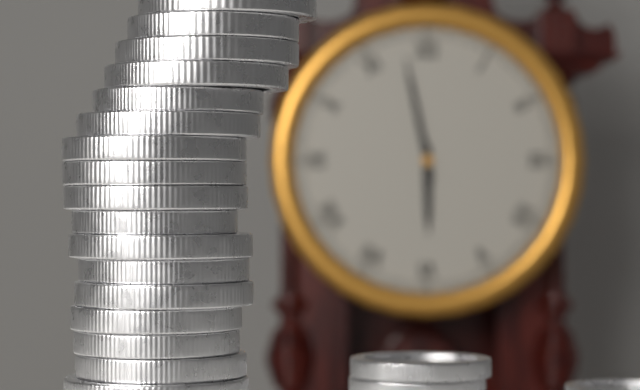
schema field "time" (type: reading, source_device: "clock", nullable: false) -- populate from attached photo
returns 5:58
